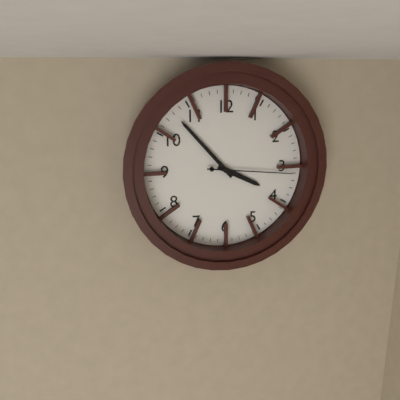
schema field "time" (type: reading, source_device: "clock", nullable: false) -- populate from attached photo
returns 3:53:16
